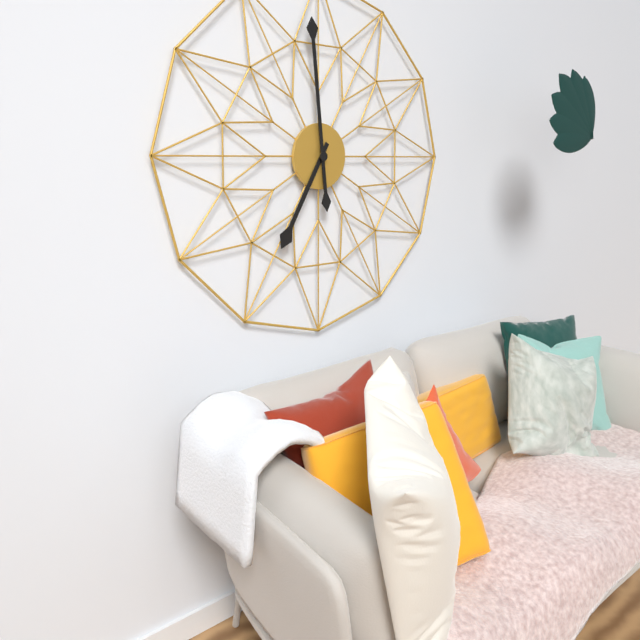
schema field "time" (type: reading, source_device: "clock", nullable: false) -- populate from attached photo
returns 6:59
